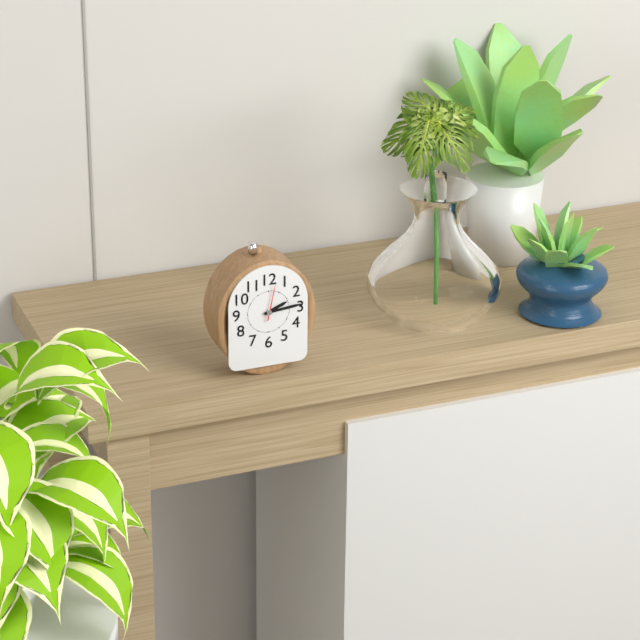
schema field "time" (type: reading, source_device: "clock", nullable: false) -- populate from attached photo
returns 2:14
